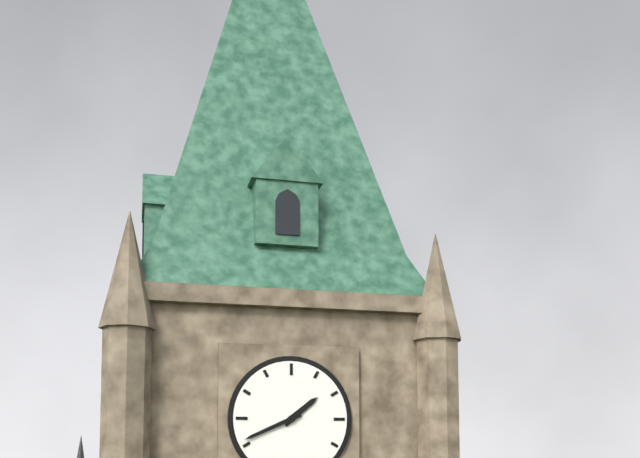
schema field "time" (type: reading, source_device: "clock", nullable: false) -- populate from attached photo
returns 1:41
